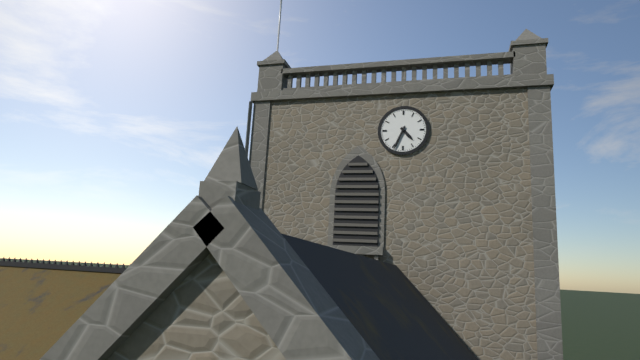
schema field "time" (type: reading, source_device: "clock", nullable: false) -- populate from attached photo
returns 4:34
